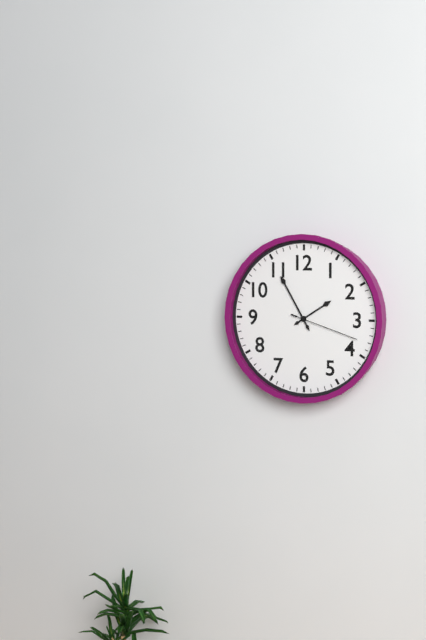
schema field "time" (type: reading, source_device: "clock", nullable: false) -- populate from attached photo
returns 1:55:18
